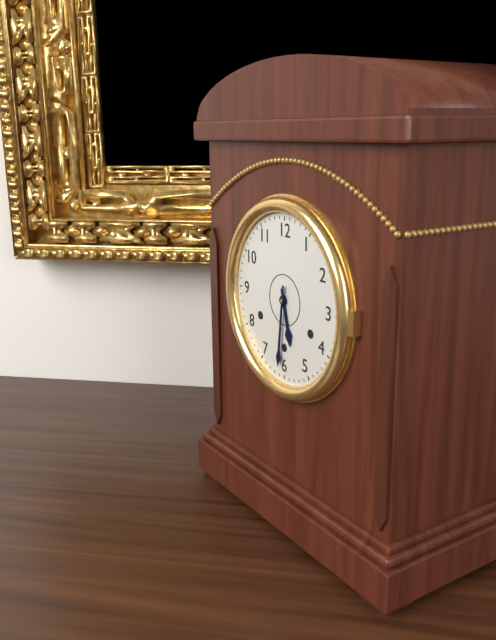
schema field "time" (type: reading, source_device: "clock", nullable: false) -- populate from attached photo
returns 5:31
